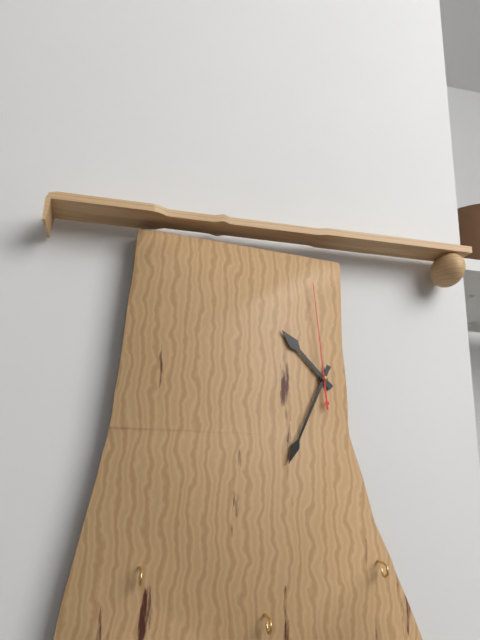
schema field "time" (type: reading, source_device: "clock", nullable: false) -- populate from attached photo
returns 10:34:59
